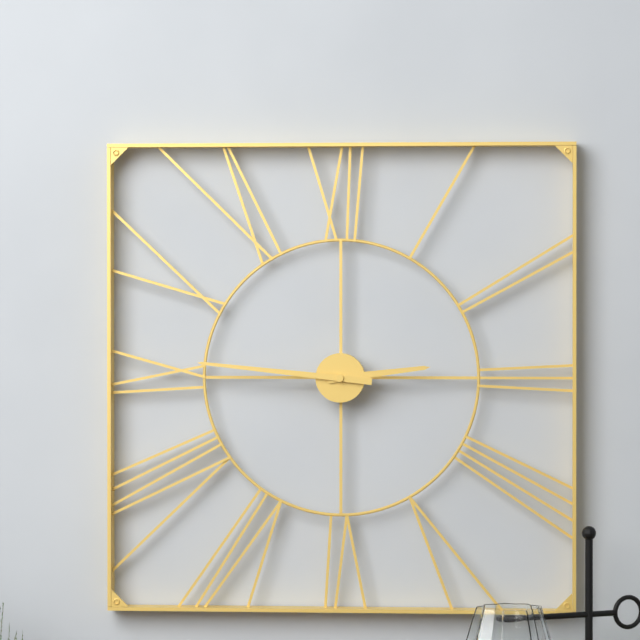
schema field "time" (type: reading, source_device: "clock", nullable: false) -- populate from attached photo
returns 2:46
